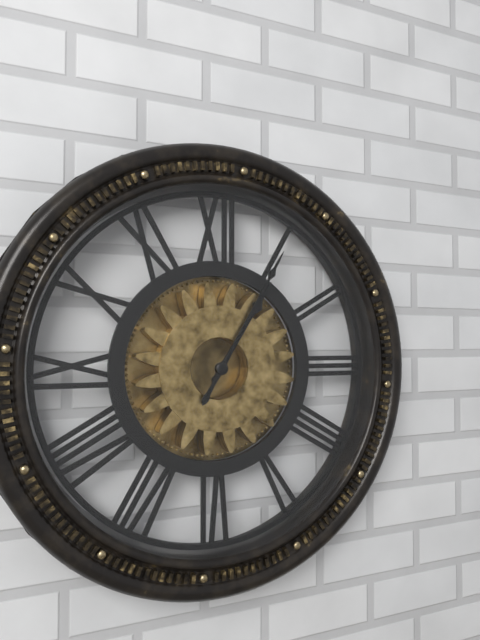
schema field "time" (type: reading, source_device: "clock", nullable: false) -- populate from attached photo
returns 1:05
